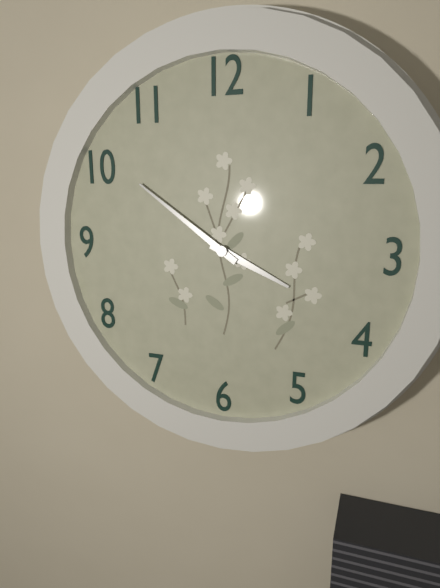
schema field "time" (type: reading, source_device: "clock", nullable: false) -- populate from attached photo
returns 3:51
